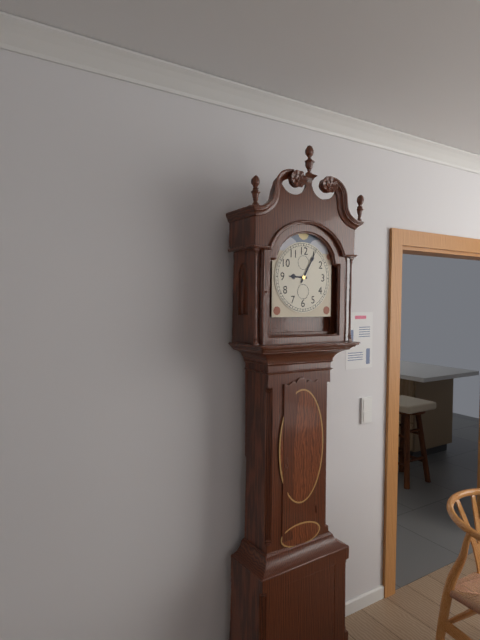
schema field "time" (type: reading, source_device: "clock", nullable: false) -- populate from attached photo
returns 9:05
